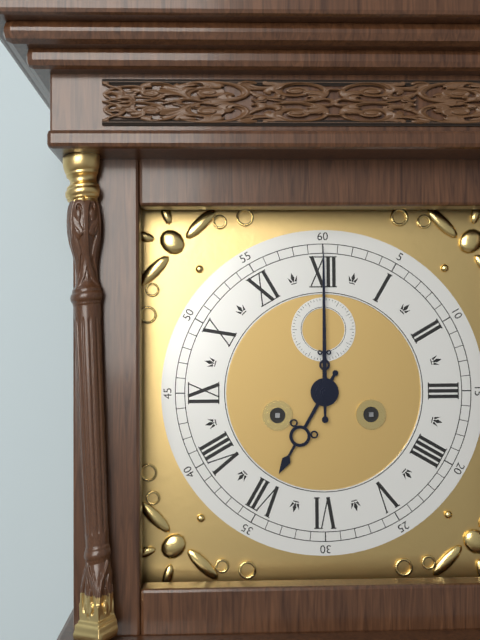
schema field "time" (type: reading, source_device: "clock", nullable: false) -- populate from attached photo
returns 7:00
